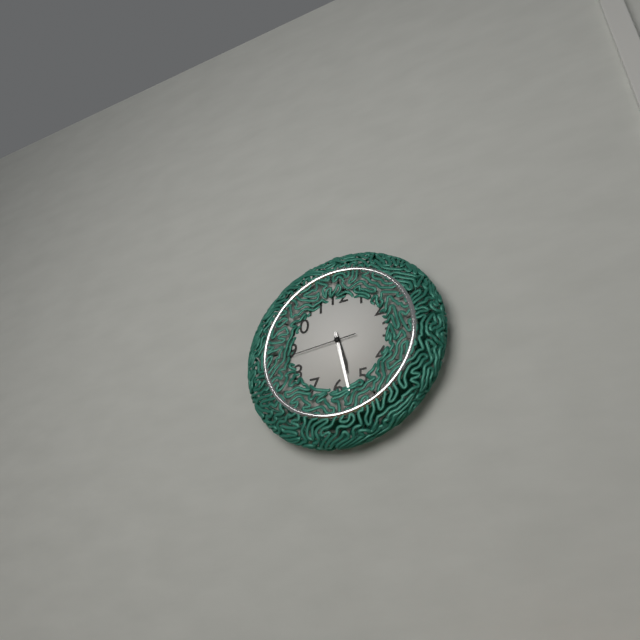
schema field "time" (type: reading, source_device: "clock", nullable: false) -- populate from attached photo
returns 5:28:44
